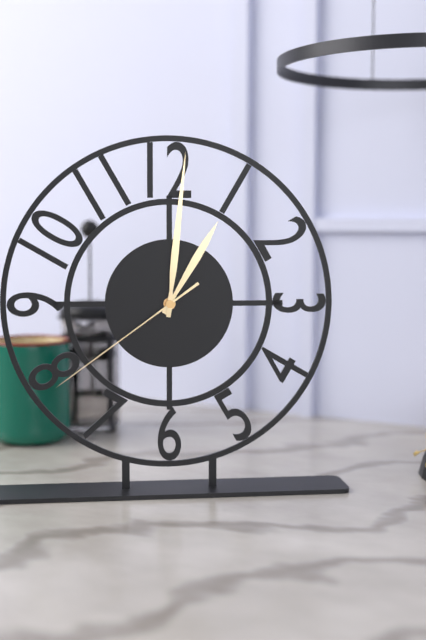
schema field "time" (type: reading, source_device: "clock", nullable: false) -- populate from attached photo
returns 1:01:39
